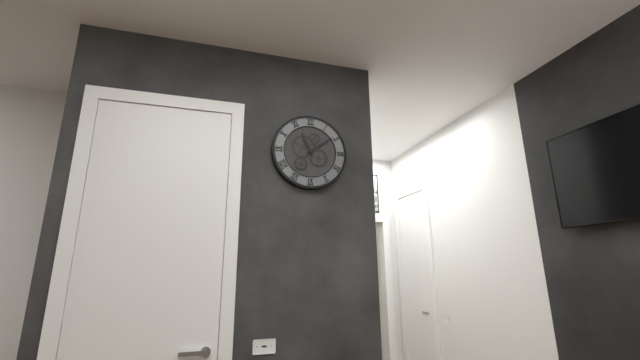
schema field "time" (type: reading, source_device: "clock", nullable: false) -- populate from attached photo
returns 11:09
